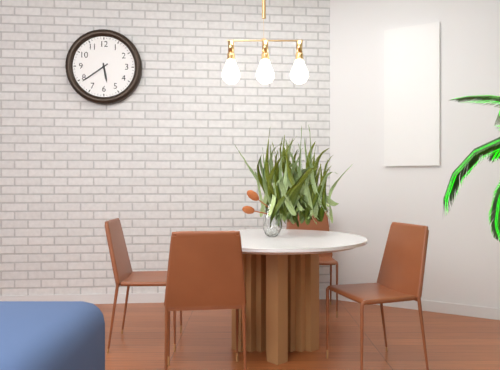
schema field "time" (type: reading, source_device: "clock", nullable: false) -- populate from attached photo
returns 5:39
